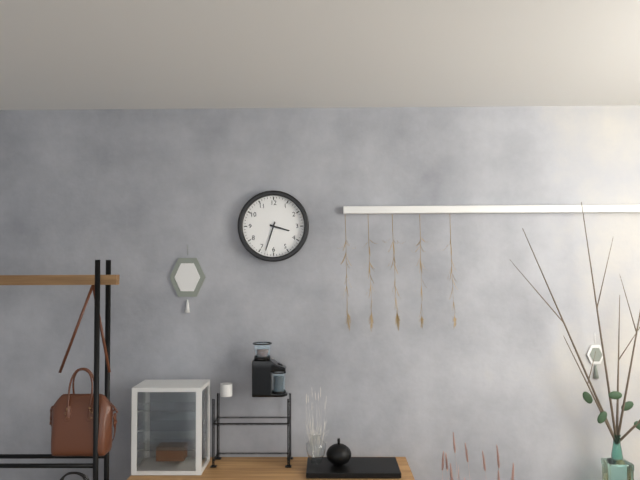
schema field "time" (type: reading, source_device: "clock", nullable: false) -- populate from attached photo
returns 3:33
